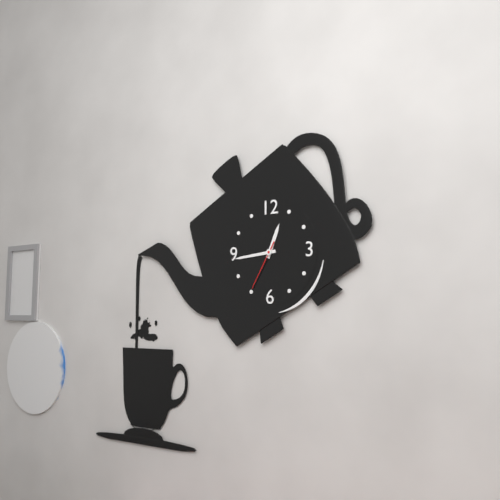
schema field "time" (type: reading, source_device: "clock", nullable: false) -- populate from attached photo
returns 12:44:35
